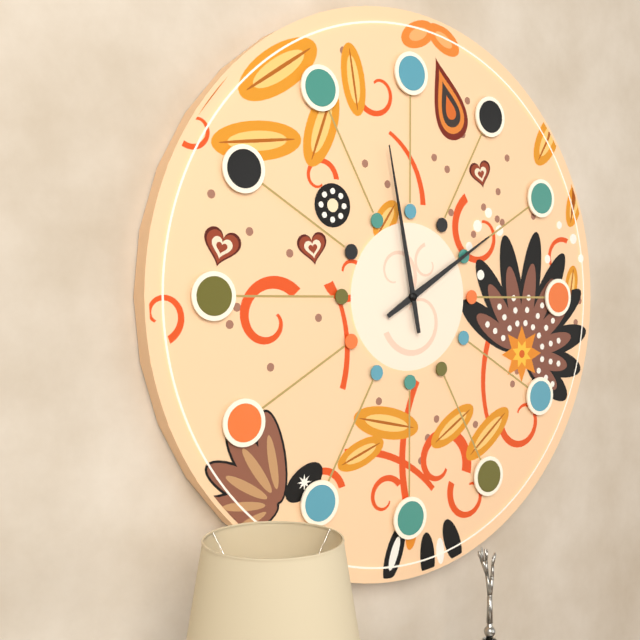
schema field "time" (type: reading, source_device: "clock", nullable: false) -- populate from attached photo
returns 1:58
